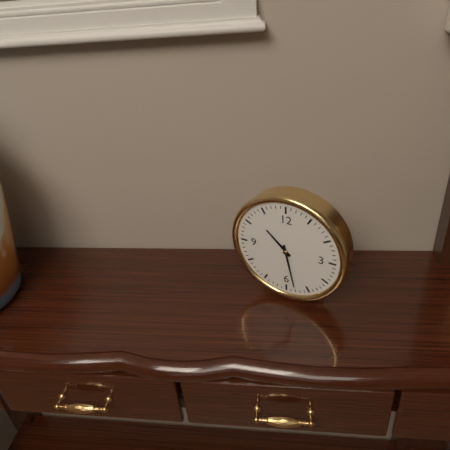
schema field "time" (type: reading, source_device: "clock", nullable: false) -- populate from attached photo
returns 10:28
